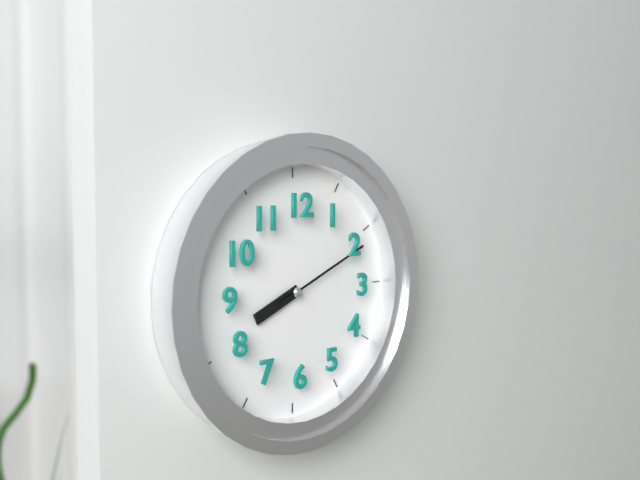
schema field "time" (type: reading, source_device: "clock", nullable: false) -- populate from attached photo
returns 8:11
